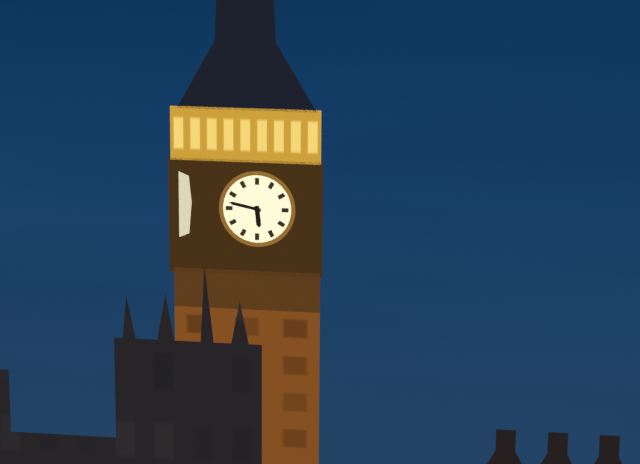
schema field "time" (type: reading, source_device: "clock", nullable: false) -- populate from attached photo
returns 5:47
